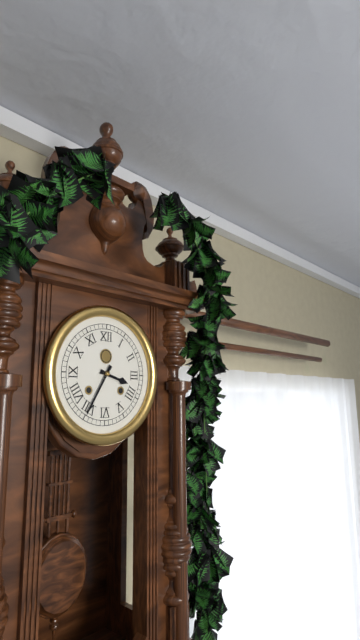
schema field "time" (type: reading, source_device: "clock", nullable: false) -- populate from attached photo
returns 3:35
